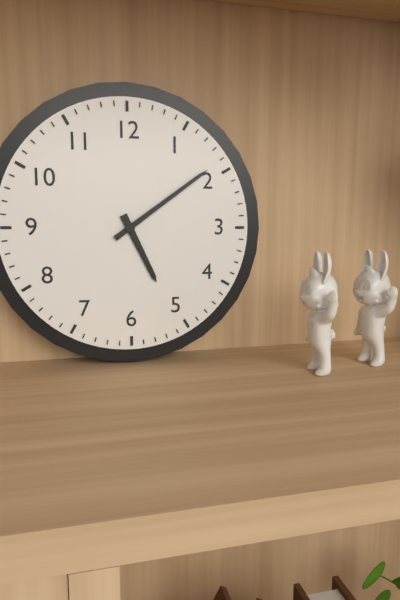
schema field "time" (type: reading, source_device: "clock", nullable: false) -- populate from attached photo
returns 5:09
